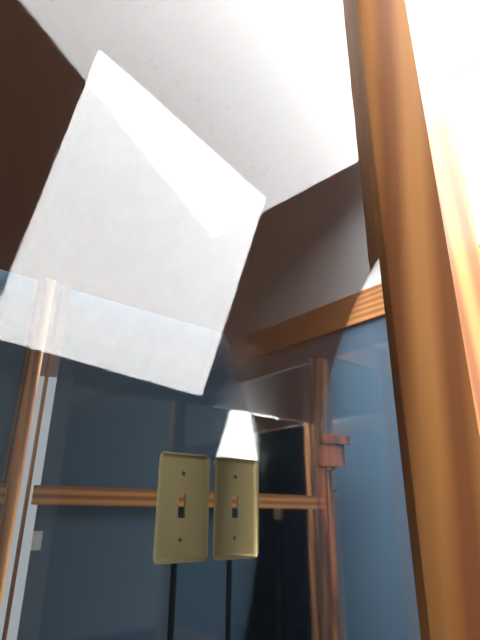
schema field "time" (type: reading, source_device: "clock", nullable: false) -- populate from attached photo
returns 11:56
